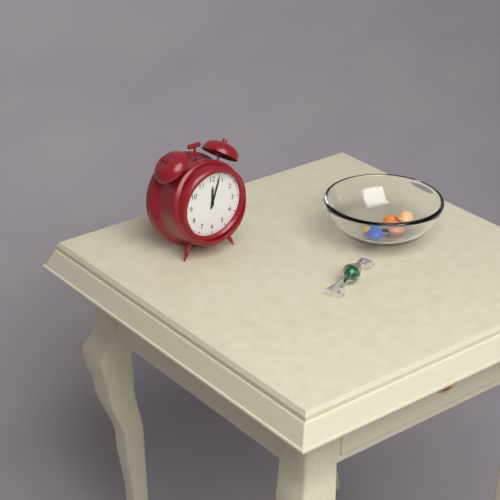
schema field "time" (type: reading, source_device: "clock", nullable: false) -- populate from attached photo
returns 12:03
